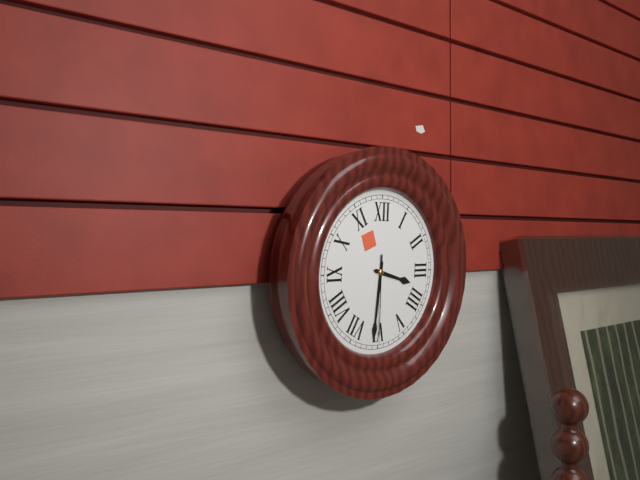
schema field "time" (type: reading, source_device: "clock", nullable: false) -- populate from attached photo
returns 3:31:30
